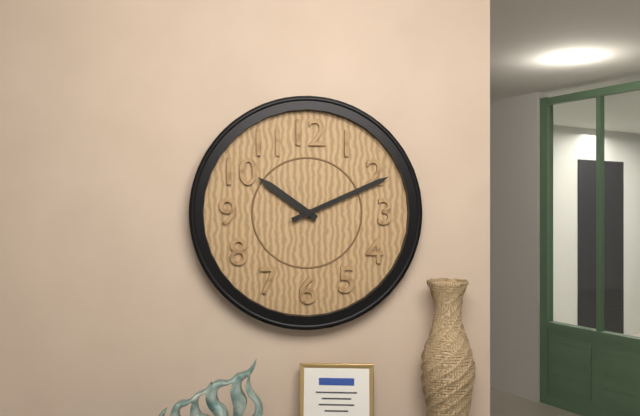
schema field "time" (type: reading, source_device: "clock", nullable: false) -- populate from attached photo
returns 10:11
